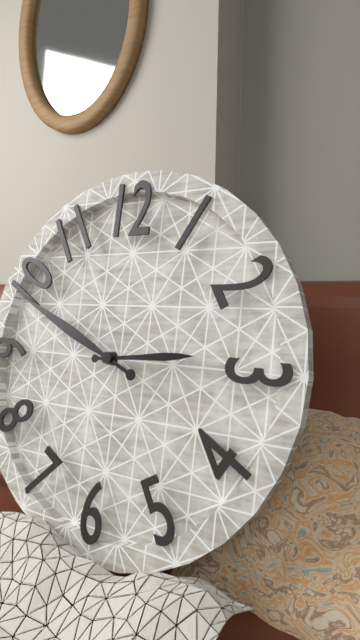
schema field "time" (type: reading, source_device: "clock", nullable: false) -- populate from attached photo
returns 2:49
